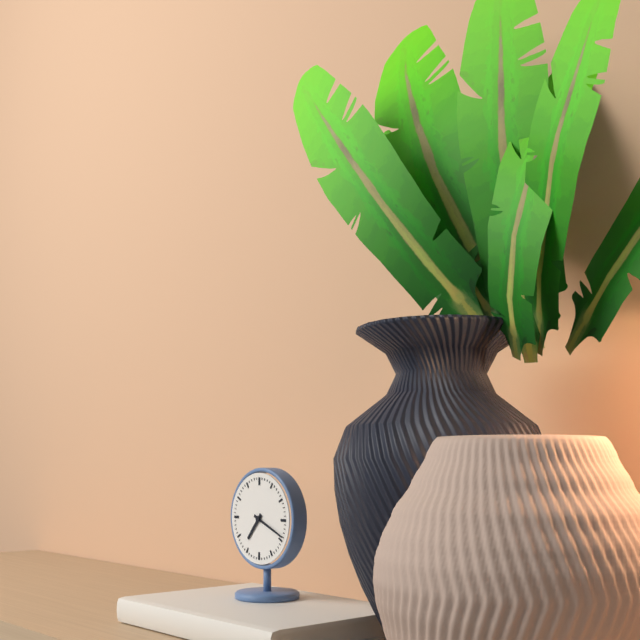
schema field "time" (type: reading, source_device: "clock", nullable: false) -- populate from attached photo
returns 7:19
